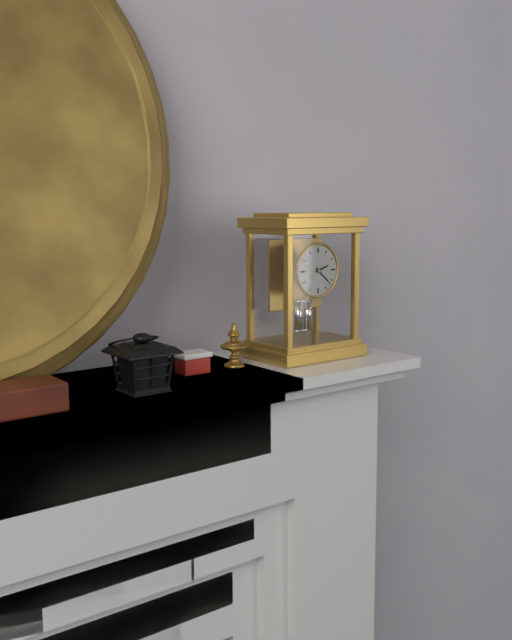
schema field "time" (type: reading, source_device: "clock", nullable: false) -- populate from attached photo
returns 2:22
